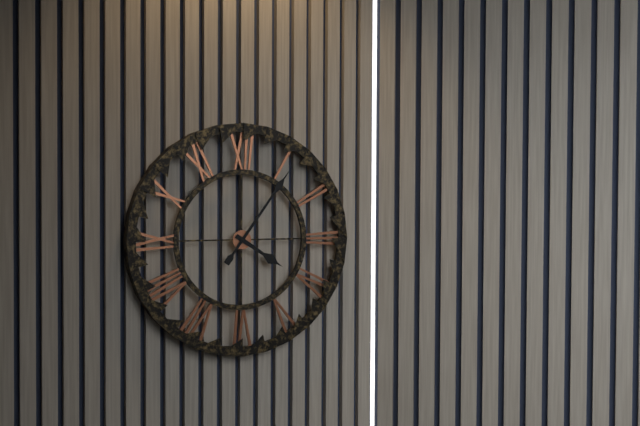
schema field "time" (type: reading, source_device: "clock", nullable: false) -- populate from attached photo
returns 4:06
